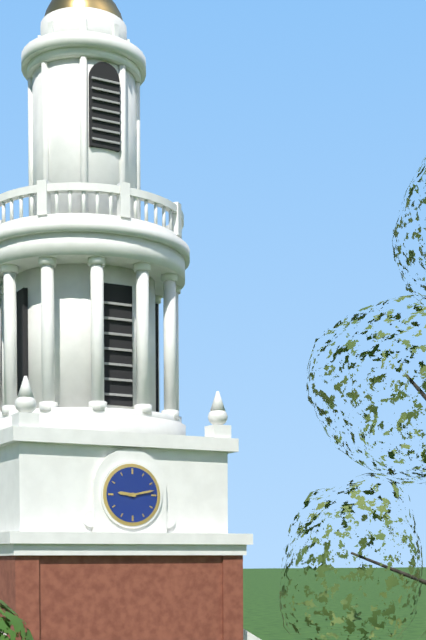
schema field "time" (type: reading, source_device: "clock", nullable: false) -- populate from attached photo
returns 9:13
